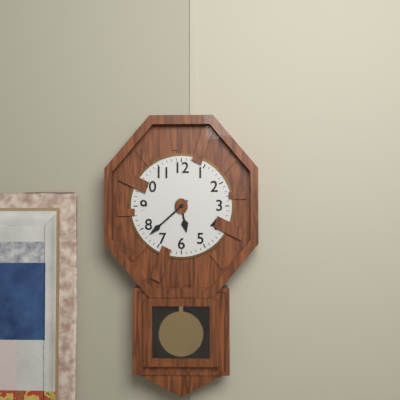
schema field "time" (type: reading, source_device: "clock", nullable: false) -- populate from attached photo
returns 5:38
